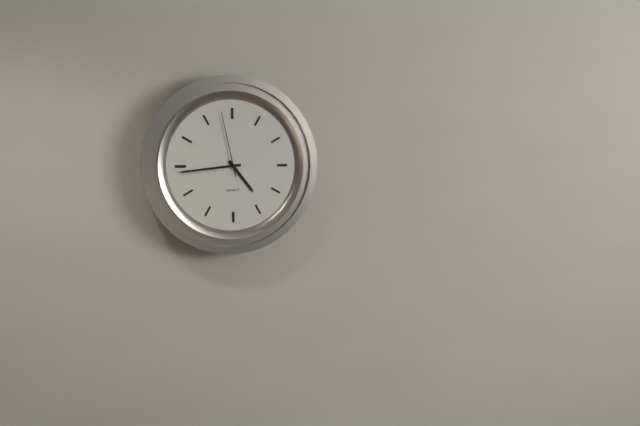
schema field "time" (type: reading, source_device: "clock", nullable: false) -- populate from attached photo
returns 4:44:58
